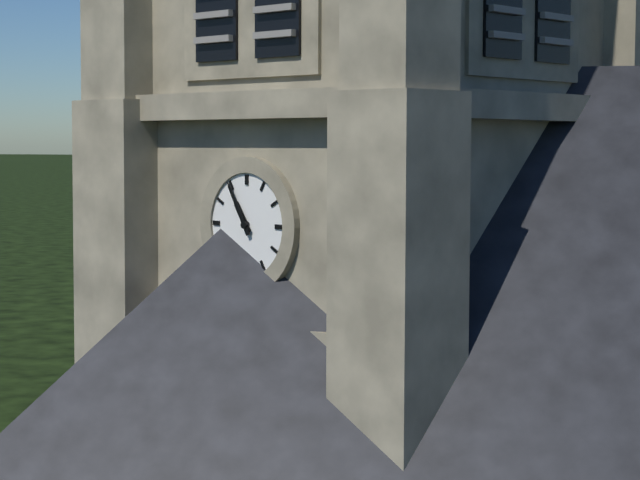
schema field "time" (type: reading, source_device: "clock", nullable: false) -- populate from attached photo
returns 10:55
